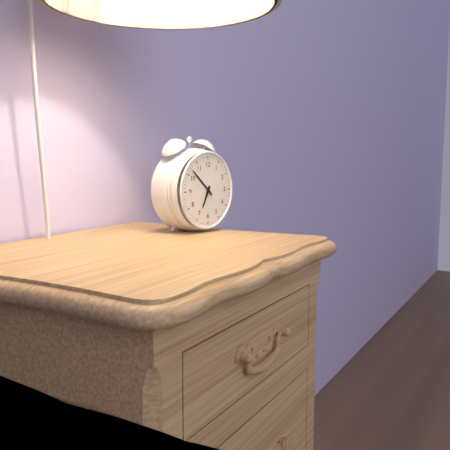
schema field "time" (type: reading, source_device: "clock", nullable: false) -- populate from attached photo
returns 6:52
